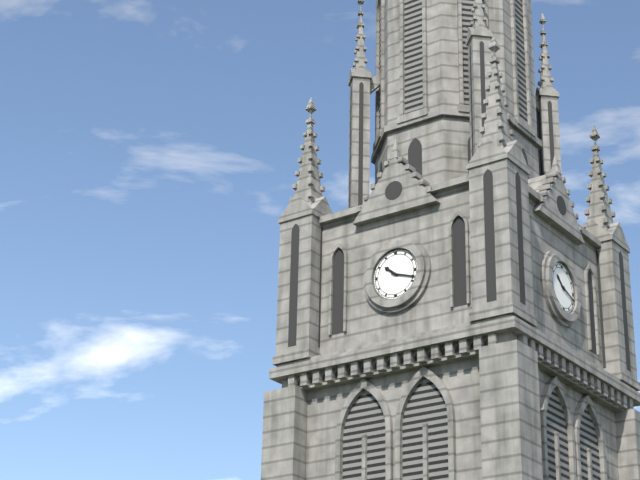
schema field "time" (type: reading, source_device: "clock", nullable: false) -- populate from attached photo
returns 10:18
